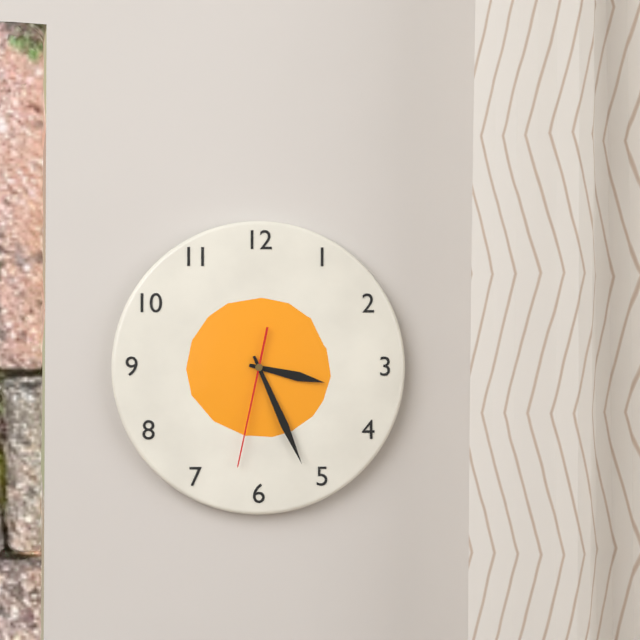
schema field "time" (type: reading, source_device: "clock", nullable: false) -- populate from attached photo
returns 3:26:32
